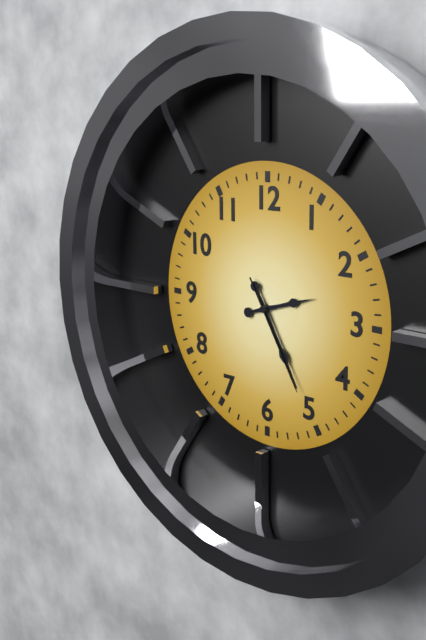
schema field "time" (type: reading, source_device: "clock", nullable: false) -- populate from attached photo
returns 2:25:25
